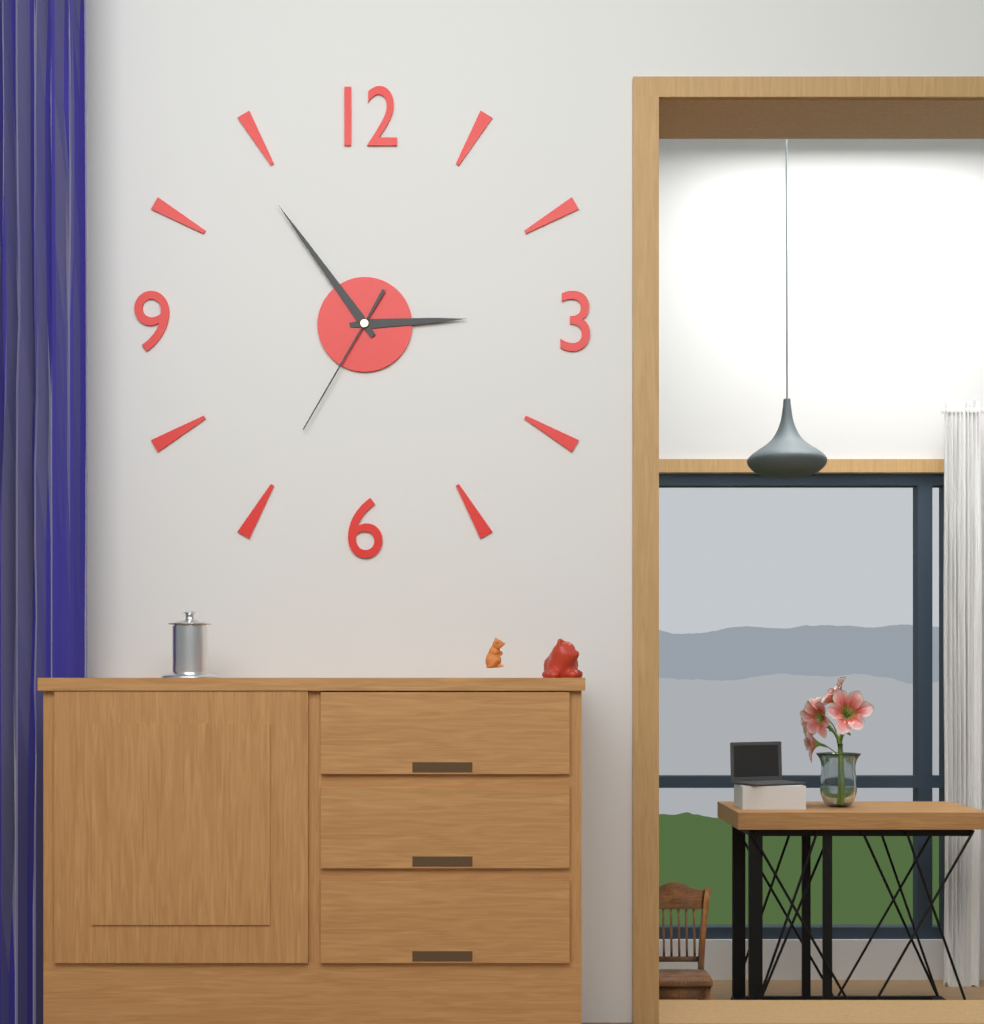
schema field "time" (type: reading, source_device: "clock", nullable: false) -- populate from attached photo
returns 2:54:35
